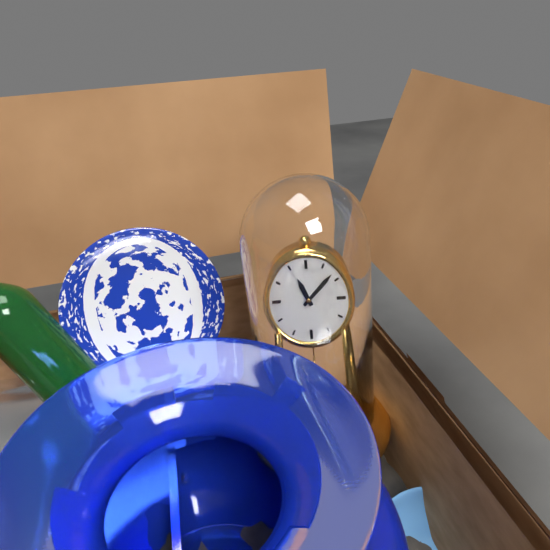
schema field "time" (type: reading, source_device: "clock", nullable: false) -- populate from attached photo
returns 11:08
